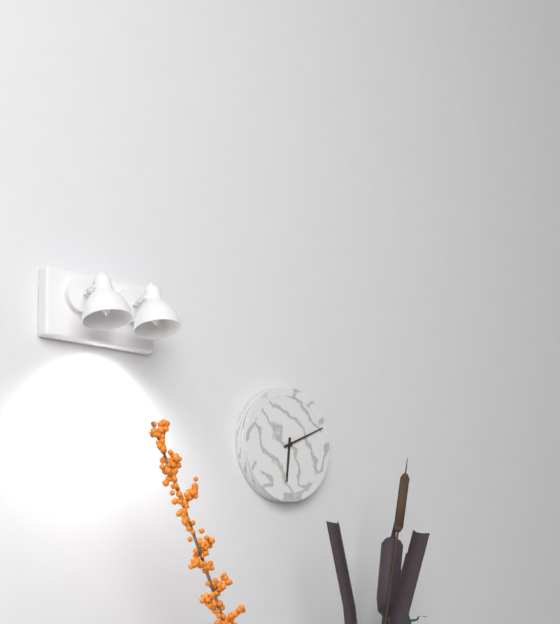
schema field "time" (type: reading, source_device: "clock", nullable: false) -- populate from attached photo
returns 6:11
